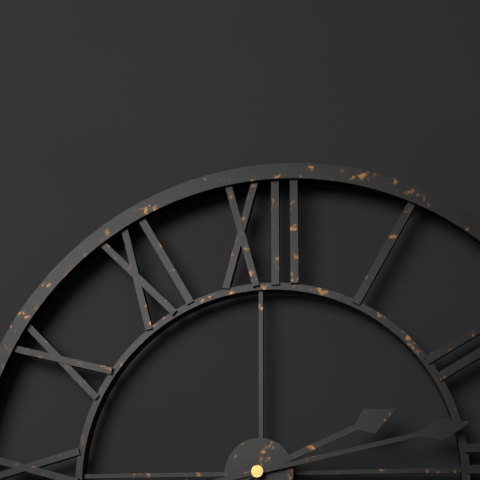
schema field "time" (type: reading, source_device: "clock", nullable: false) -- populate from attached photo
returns 2:13
